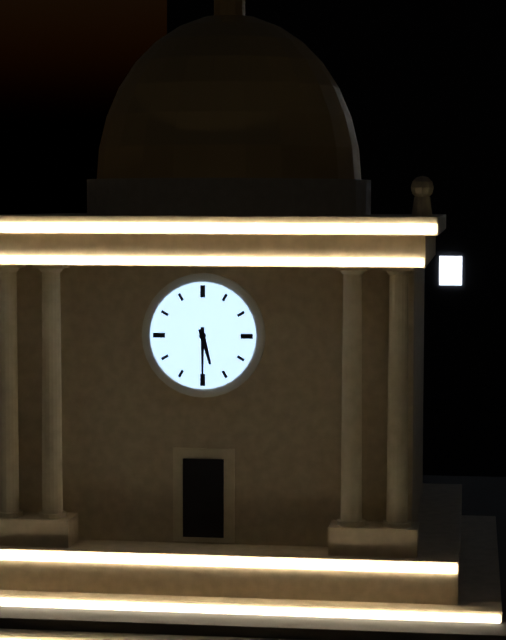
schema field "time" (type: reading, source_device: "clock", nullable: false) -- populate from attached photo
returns 5:30
